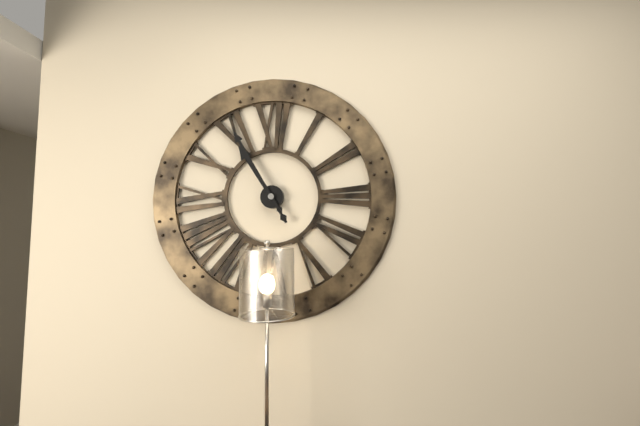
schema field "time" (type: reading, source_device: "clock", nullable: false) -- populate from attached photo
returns 10:55
